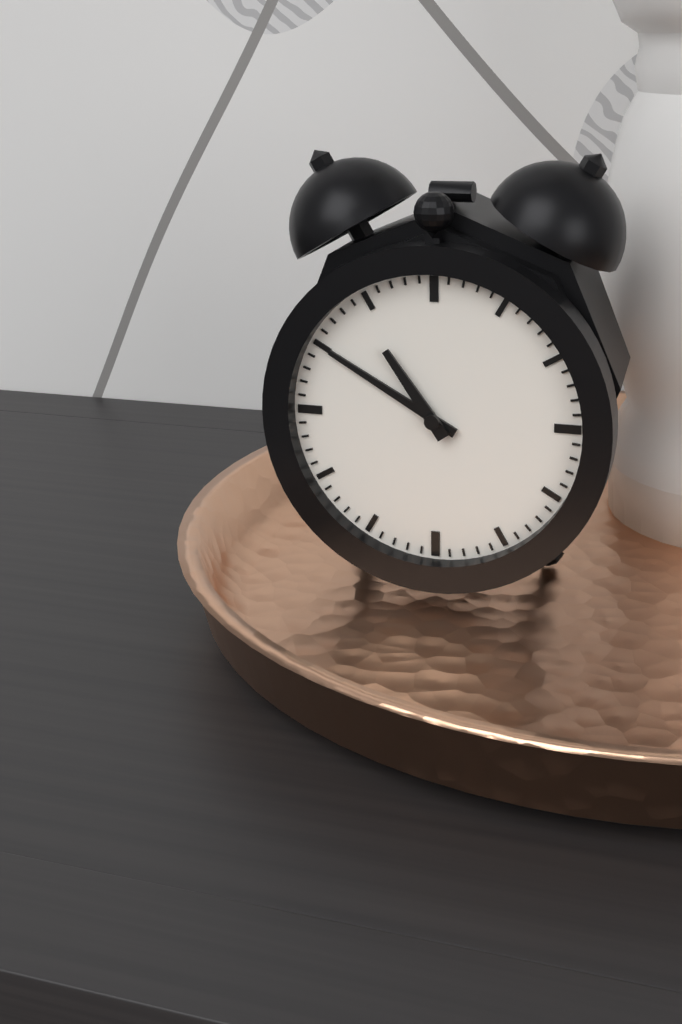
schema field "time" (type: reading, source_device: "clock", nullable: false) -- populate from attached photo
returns 10:50
